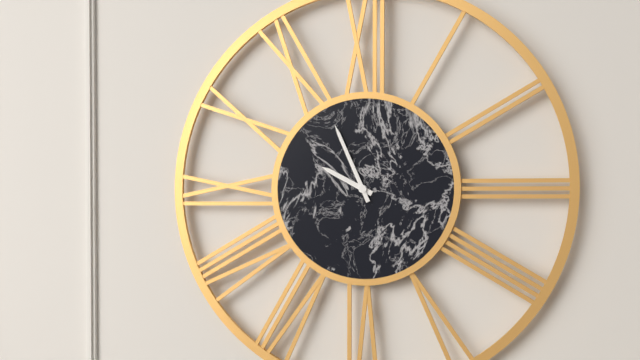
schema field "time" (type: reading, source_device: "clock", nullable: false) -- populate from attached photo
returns 9:56
